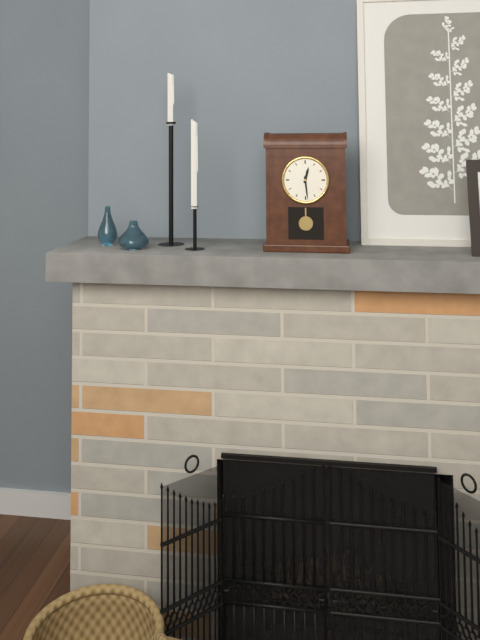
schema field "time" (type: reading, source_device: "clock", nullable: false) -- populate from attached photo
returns 12:29
